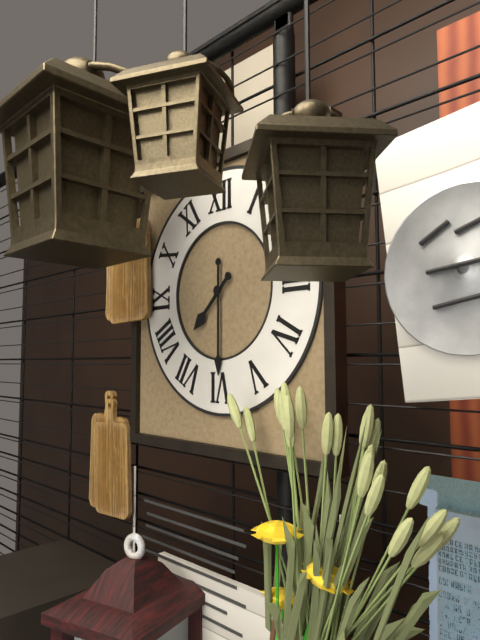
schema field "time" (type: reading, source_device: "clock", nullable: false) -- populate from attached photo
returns 7:30
